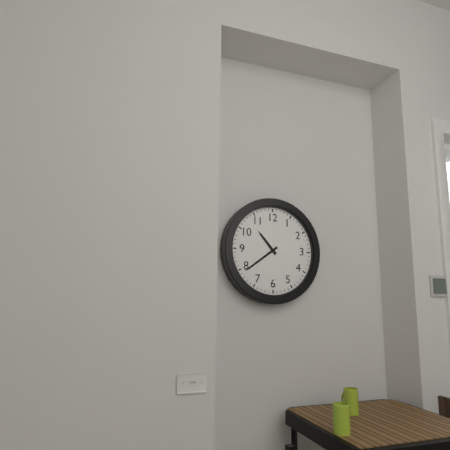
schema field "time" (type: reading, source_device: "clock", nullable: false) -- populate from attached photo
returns 10:39
